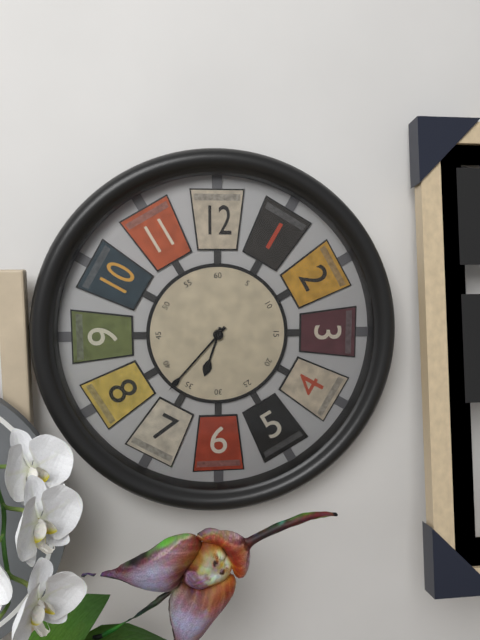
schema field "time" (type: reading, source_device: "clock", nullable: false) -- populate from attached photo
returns 6:37
